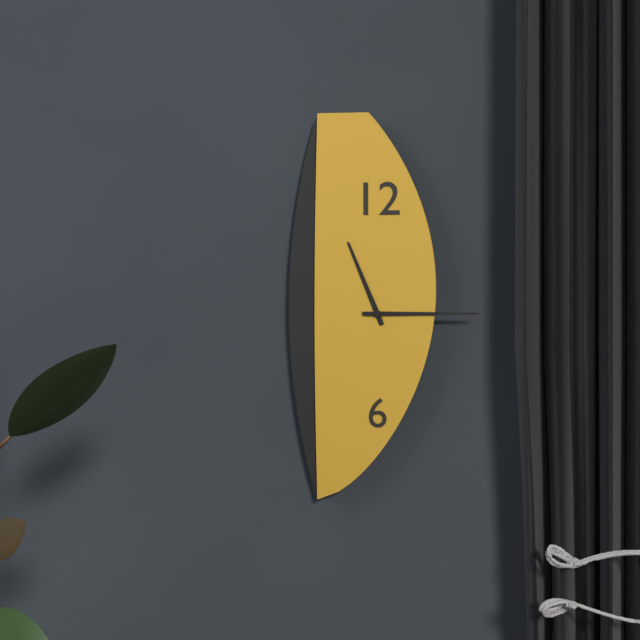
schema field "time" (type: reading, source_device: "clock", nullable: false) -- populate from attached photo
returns 11:15
